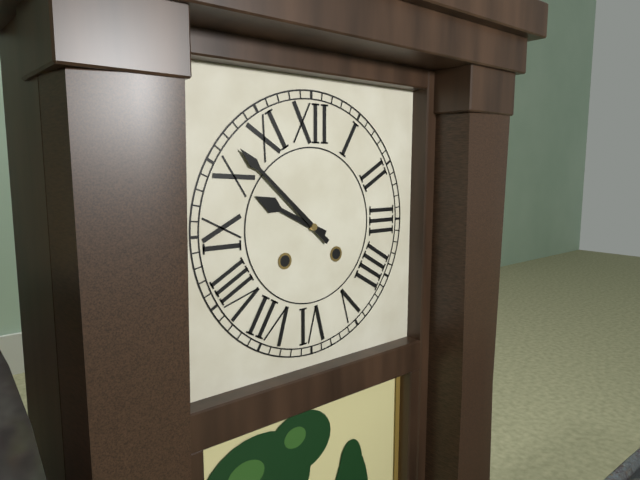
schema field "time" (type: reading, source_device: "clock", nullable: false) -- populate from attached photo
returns 9:52
